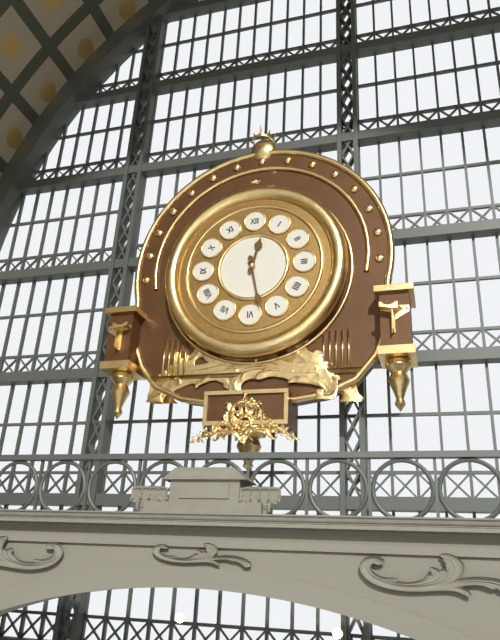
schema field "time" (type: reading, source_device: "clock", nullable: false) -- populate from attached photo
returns 12:28
